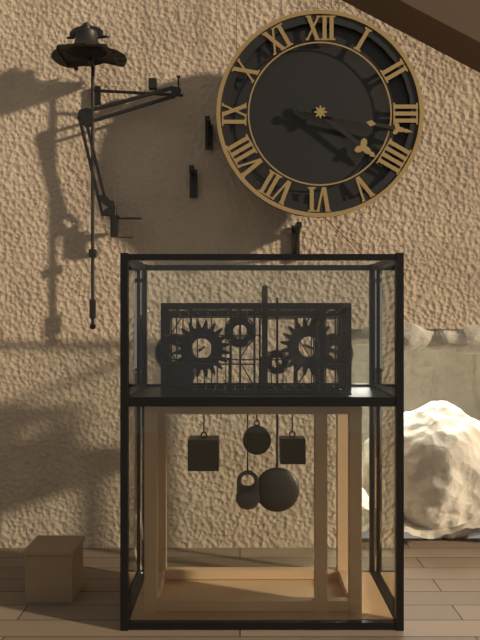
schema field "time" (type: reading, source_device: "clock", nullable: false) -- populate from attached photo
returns 4:17
